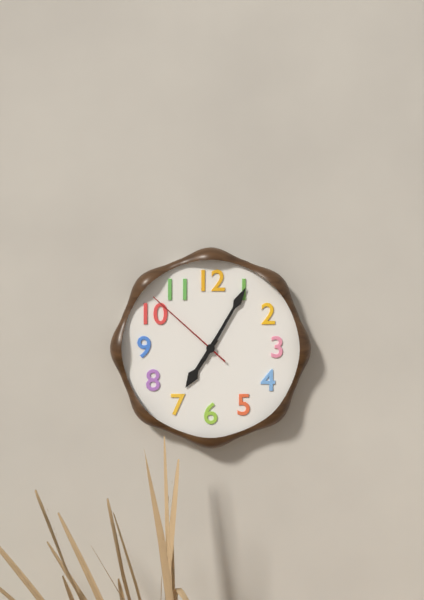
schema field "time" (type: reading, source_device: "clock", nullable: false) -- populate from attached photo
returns 7:05:52
